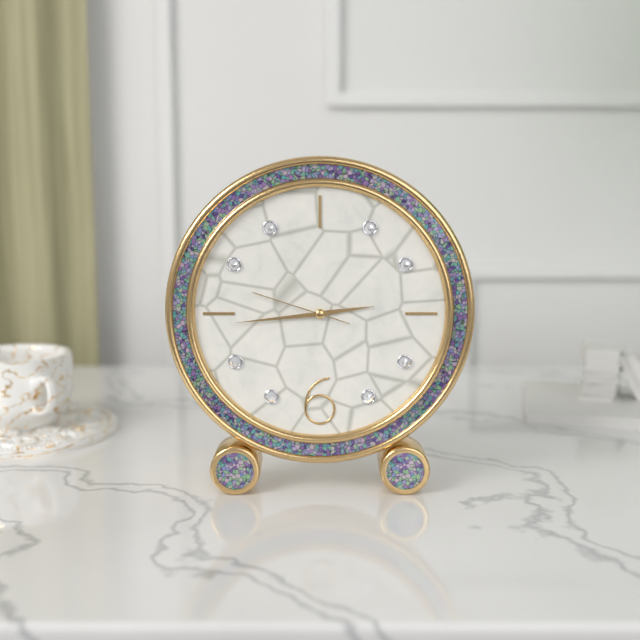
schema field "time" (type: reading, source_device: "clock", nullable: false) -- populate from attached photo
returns 2:44:48
